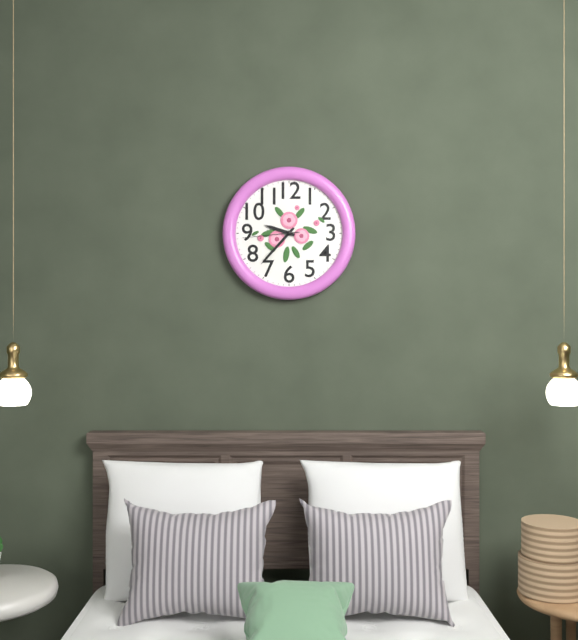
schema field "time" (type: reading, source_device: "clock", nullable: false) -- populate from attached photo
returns 9:37:44
